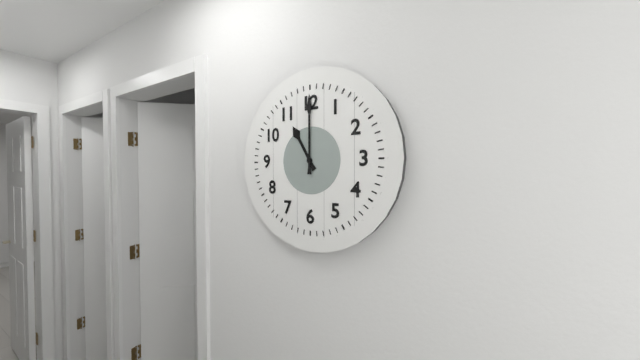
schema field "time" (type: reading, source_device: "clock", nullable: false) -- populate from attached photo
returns 11:00
